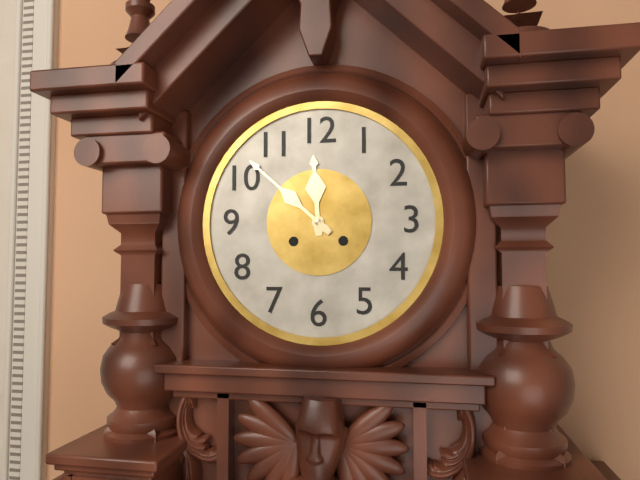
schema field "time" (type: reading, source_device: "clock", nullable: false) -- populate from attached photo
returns 11:52
